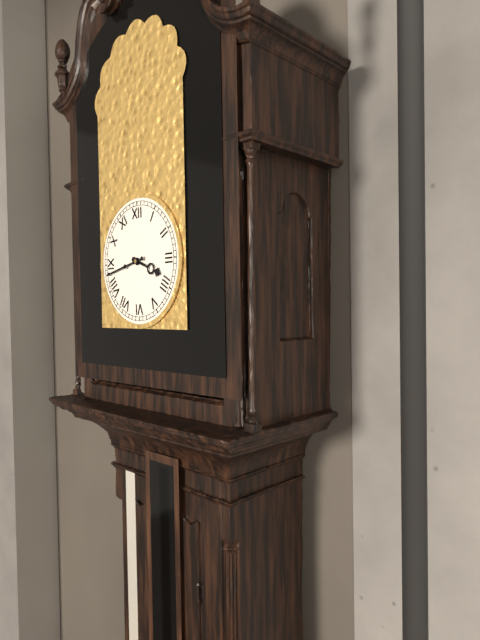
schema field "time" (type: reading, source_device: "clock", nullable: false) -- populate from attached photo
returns 3:43
